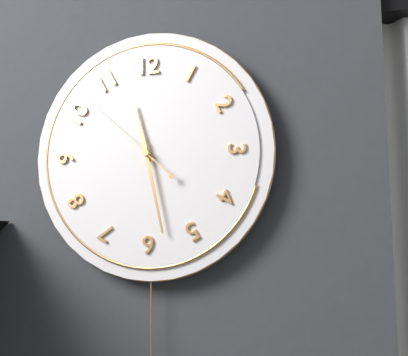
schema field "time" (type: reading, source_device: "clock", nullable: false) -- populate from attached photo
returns 11:28:52
